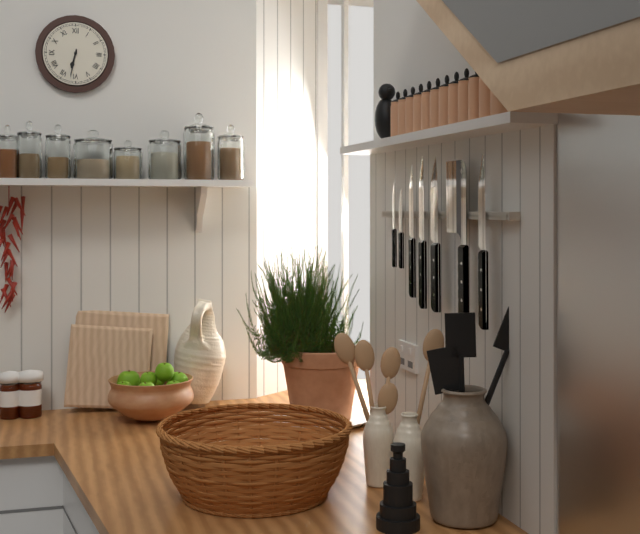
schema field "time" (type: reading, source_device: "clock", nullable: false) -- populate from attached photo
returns 6:32
